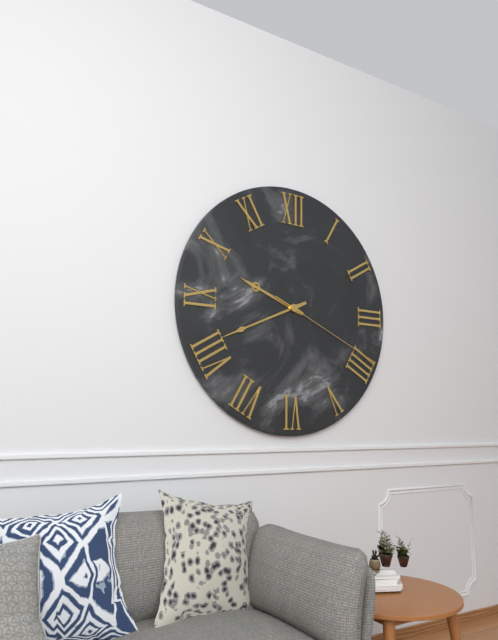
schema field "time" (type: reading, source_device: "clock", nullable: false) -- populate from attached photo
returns 9:41:19
